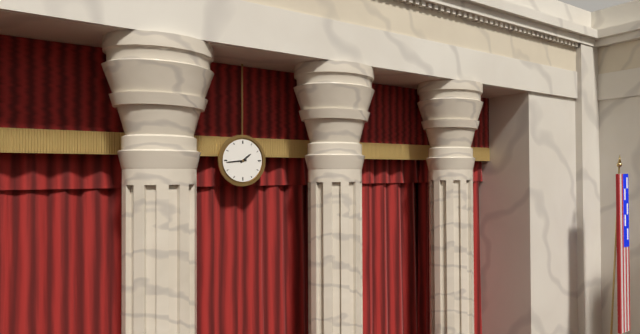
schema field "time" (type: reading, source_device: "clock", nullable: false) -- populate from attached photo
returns 1:44
